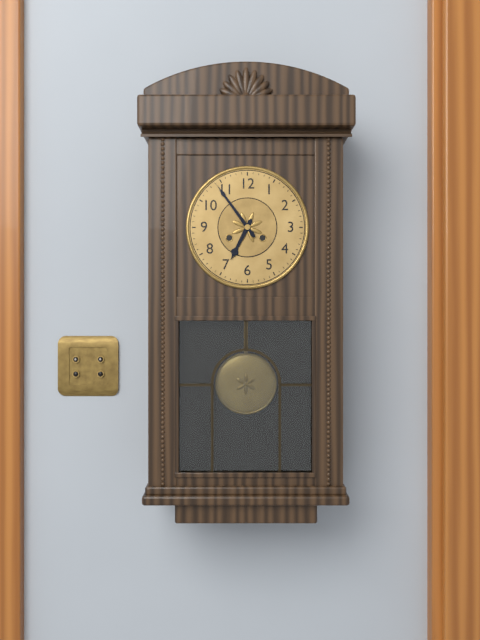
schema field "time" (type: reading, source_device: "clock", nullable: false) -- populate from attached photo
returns 6:54
